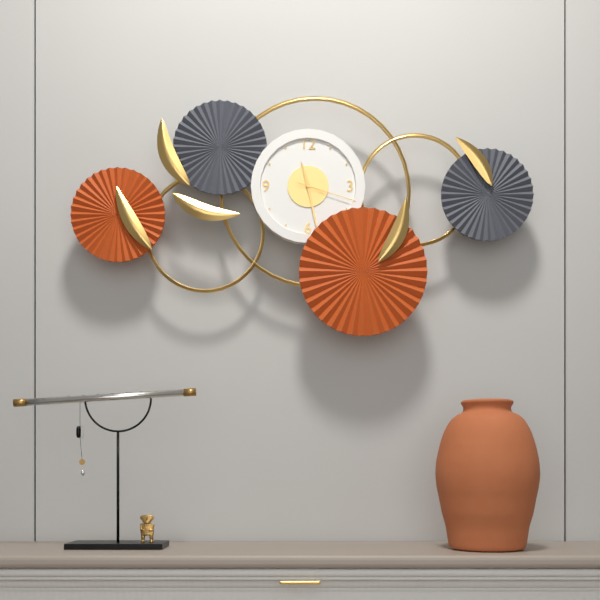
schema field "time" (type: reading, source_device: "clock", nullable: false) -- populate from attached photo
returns 11:28:18
